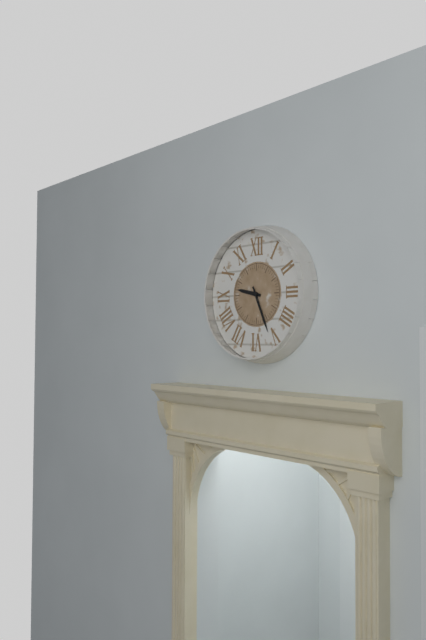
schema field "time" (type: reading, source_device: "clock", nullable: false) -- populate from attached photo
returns 9:26
